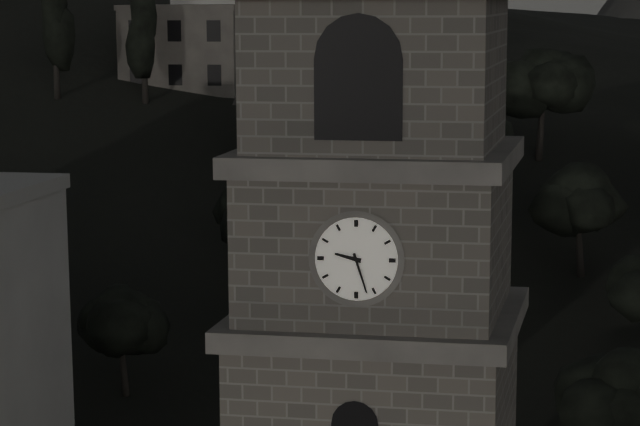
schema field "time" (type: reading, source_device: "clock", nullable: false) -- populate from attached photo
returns 9:27
